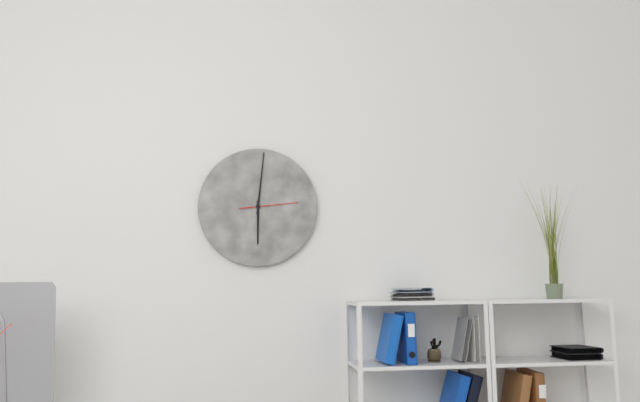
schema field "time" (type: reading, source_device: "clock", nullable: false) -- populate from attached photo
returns 6:01:14
